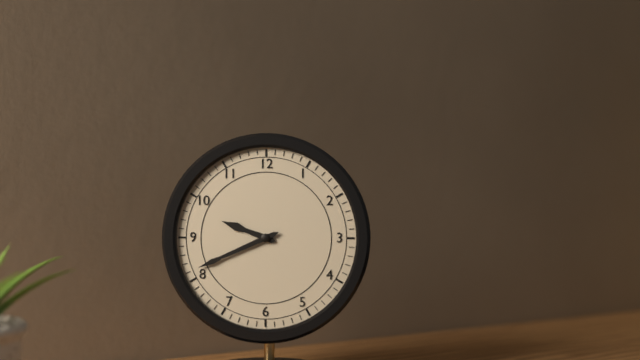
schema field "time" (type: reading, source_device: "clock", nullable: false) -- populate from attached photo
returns 9:41
